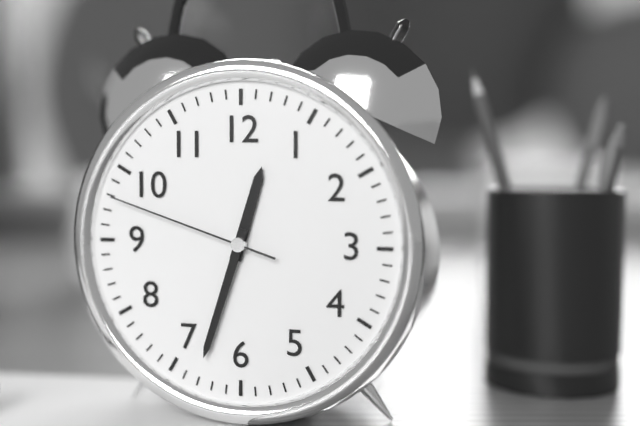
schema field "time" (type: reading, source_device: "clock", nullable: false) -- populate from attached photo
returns 12:33:48
